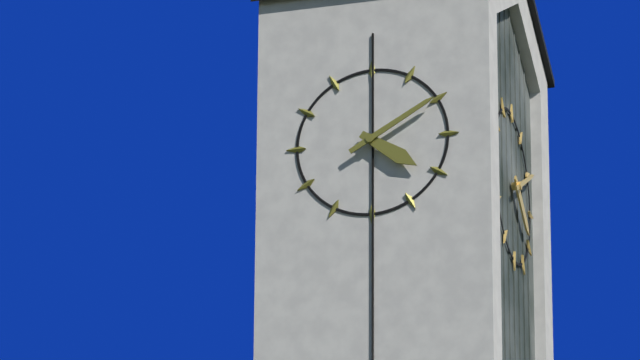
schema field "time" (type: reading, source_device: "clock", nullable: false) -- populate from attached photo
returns 4:10
